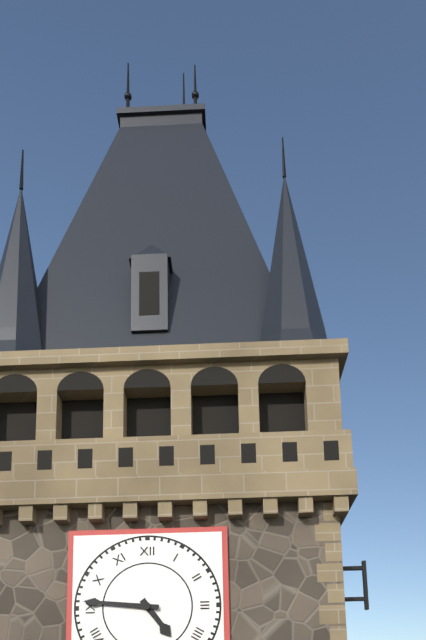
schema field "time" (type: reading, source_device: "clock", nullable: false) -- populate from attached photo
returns 4:46
